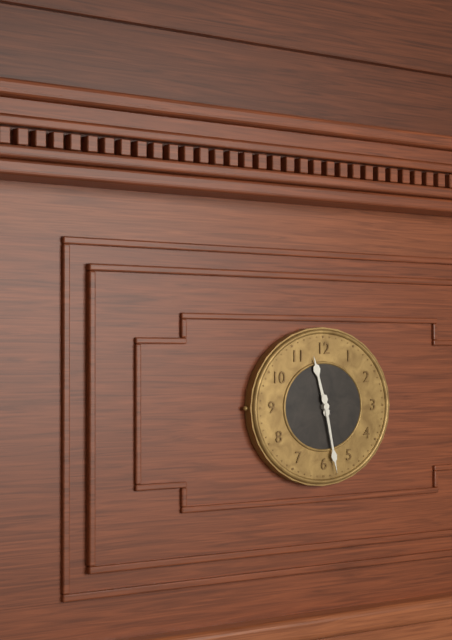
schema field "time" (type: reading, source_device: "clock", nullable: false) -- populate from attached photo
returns 11:28
